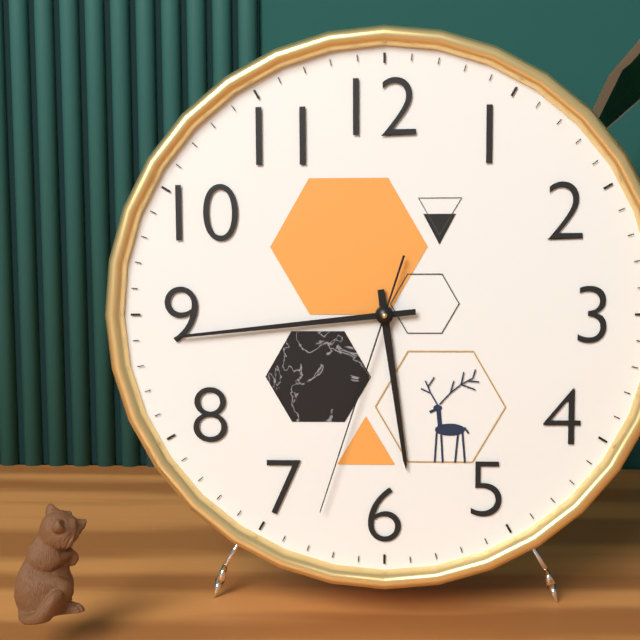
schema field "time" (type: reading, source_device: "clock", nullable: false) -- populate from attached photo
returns 5:44:33
